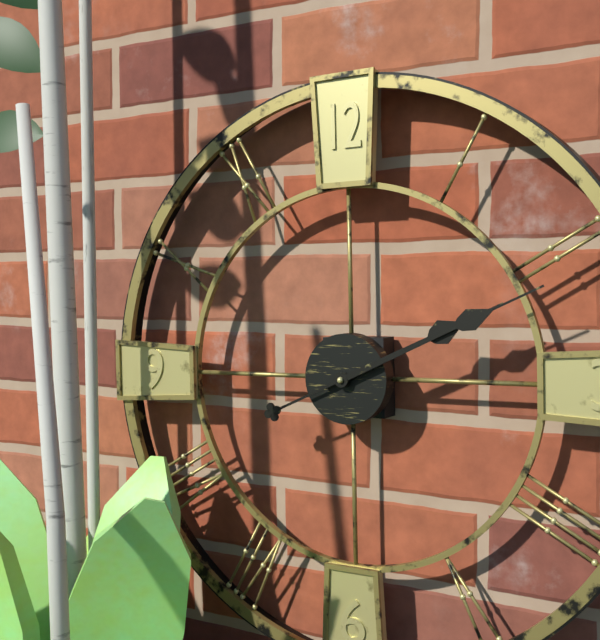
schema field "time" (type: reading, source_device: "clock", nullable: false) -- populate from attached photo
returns 2:11
